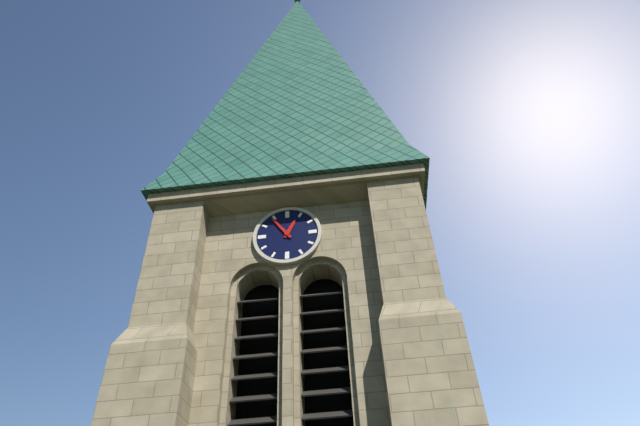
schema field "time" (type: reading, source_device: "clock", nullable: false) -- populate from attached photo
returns 12:54
